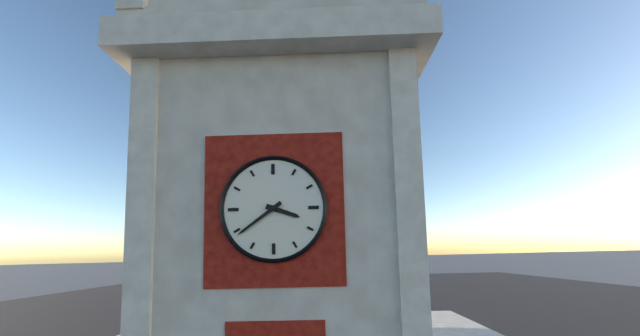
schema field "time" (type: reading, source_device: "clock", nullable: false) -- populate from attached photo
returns 3:39
